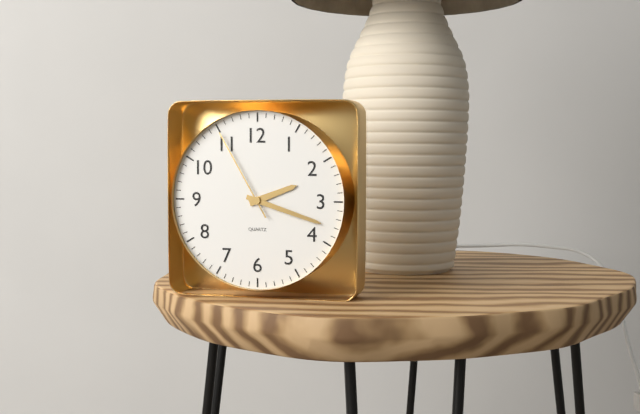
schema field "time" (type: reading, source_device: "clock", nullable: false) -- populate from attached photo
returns 2:18:55
